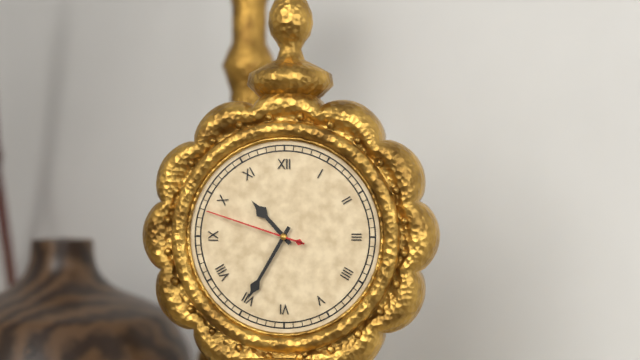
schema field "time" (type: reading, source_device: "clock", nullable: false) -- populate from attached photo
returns 10:35:48
